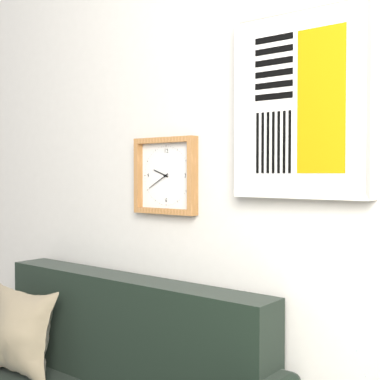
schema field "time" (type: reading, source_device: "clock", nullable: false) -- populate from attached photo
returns 9:40
